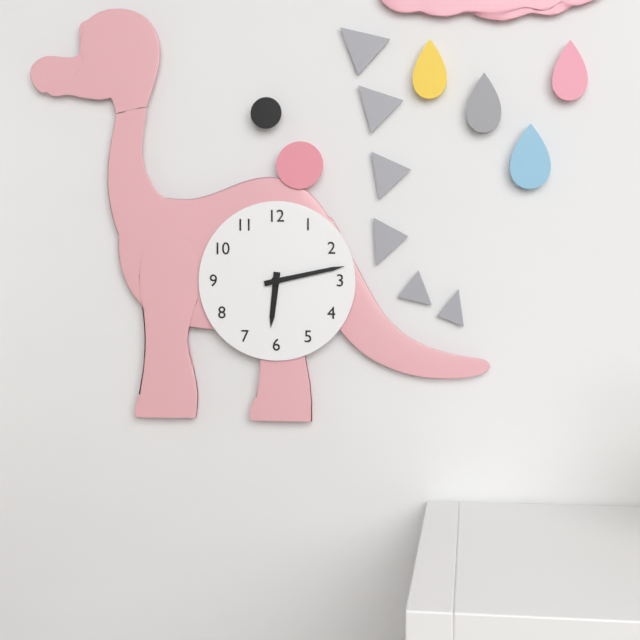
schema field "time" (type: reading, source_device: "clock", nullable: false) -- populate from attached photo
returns 6:13
